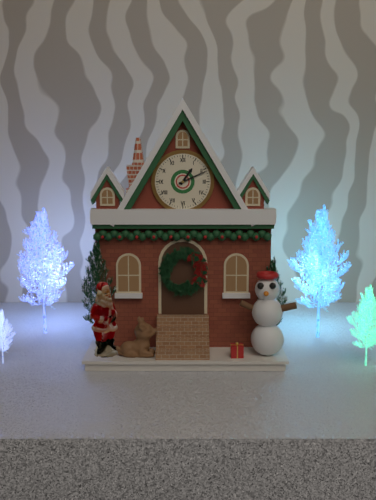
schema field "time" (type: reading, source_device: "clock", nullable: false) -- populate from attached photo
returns 1:11
